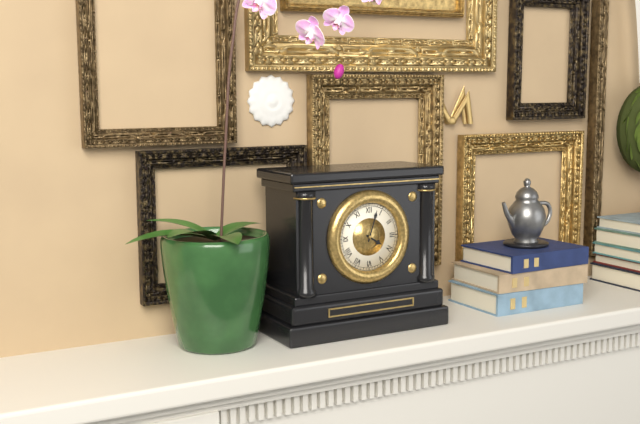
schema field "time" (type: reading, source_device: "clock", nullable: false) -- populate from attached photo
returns 4:03
